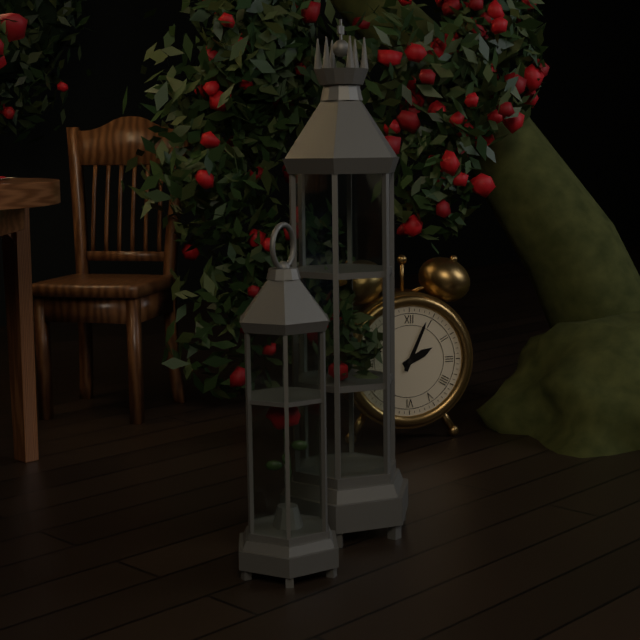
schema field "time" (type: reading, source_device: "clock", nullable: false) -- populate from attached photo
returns 2:04
